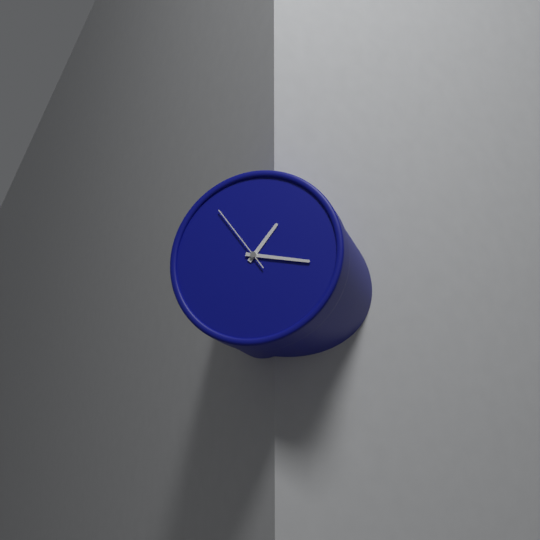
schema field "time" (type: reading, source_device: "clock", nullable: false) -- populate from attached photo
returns 1:17:54
